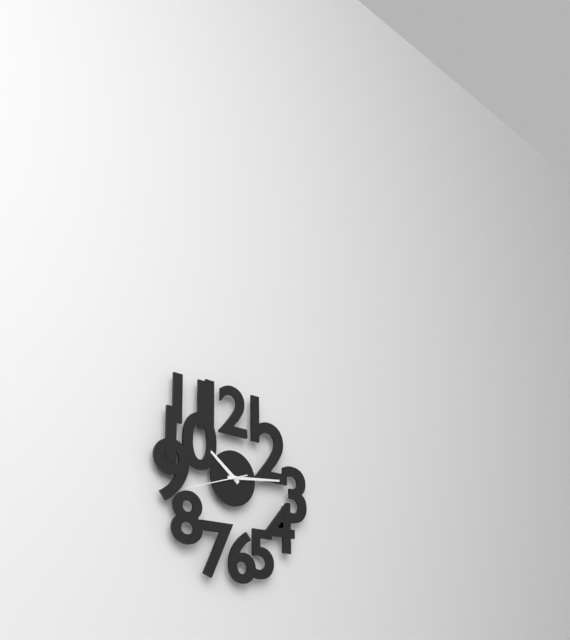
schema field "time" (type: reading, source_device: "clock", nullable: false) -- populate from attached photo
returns 10:14:42
